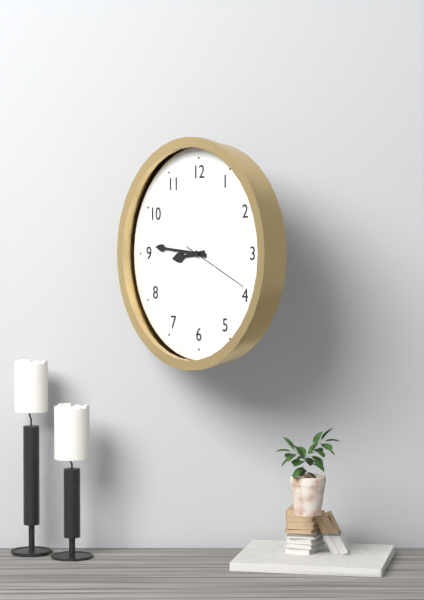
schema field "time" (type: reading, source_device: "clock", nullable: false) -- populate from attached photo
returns 8:46:19
